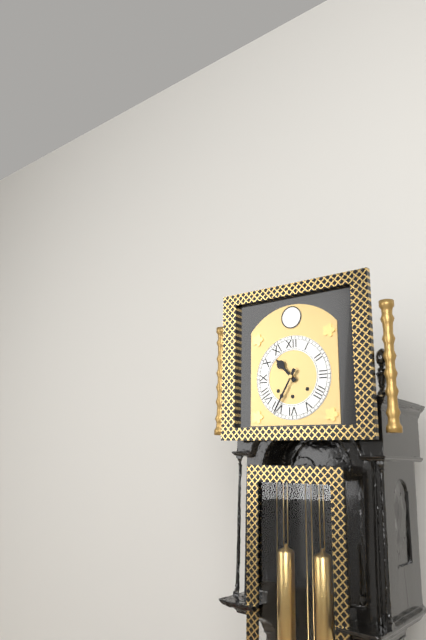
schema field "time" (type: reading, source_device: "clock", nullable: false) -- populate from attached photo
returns 10:35
